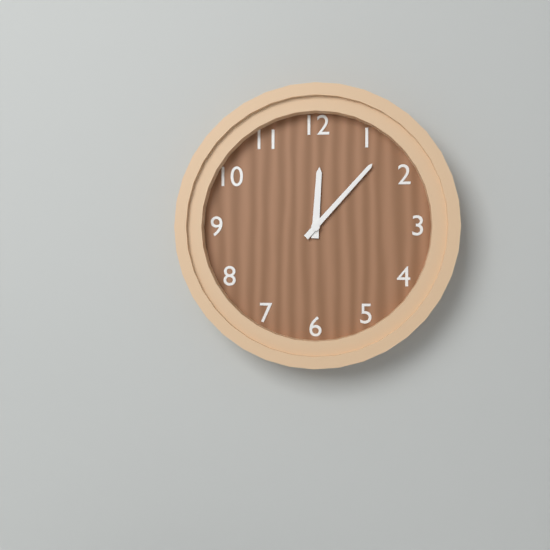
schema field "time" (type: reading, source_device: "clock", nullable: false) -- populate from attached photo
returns 12:07
